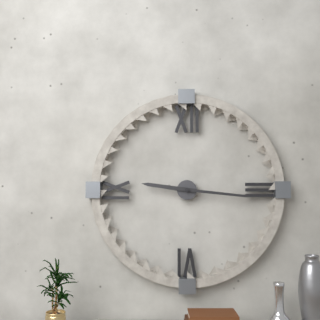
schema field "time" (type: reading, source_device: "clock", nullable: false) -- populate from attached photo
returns 9:16
